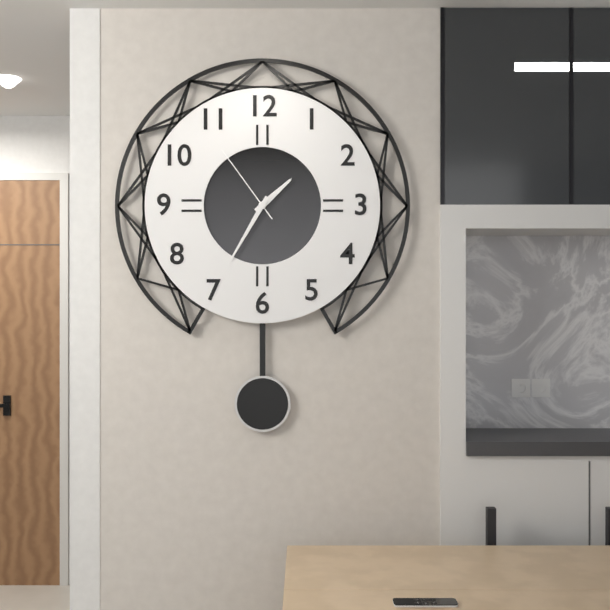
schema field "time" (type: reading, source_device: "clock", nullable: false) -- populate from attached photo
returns 1:35:54
